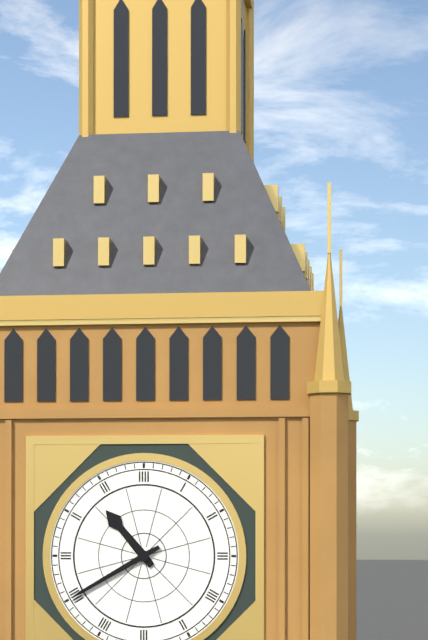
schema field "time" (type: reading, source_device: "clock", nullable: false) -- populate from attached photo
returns 10:40
